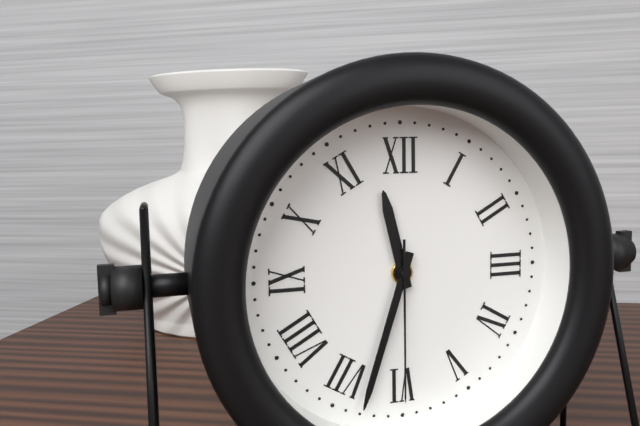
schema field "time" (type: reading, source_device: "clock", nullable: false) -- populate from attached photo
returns 11:33:30
